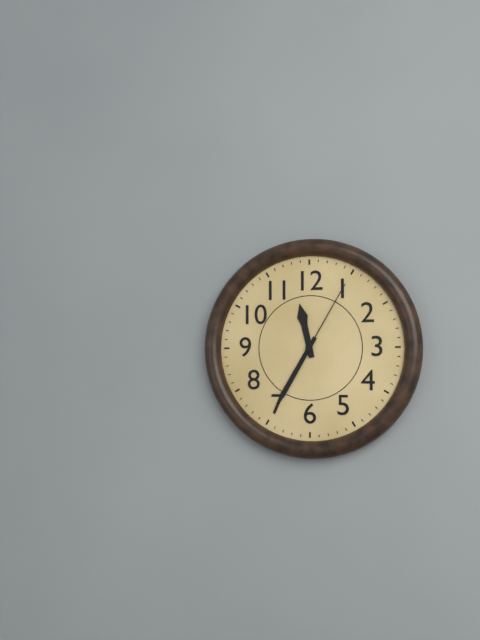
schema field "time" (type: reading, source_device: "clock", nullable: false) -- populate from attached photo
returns 11:35:05
